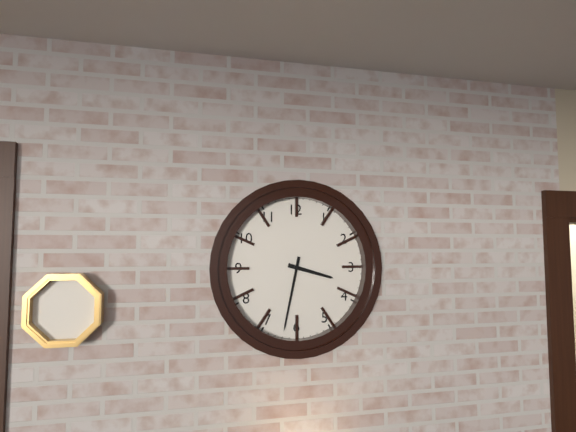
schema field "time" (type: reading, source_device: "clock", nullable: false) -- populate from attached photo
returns 3:32
